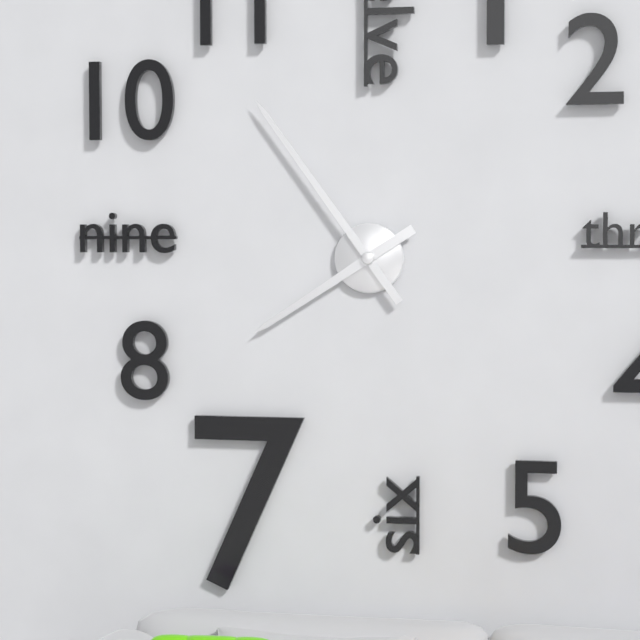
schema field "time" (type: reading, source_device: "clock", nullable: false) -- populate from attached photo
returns 7:54
